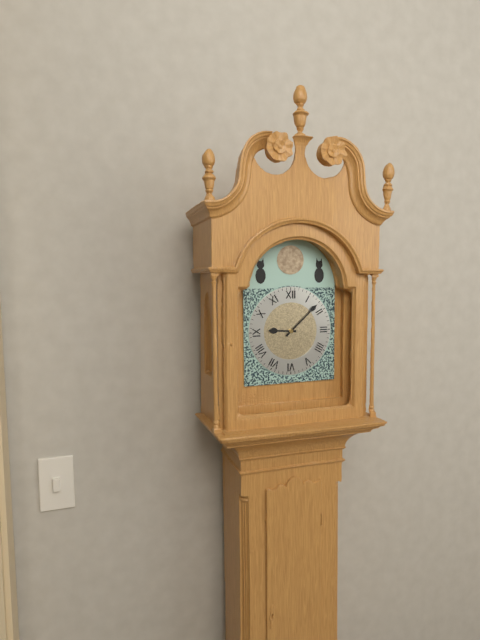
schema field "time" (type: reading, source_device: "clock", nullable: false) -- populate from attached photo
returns 9:08
